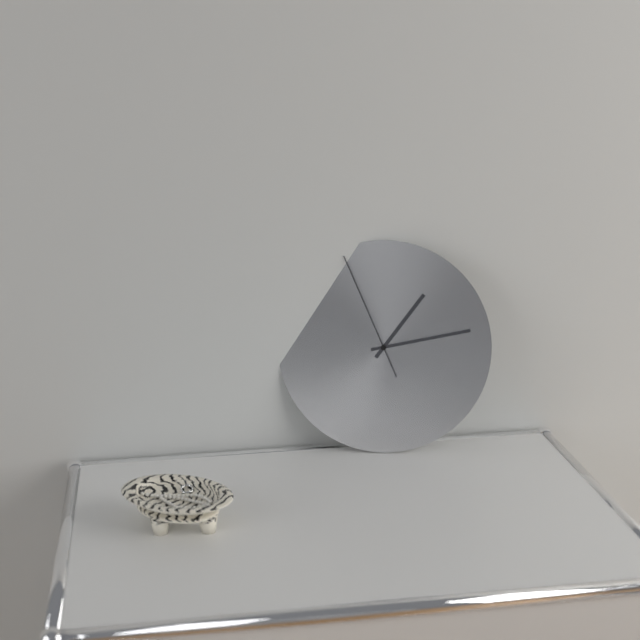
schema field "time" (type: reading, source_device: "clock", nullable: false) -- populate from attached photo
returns 1:13:56
